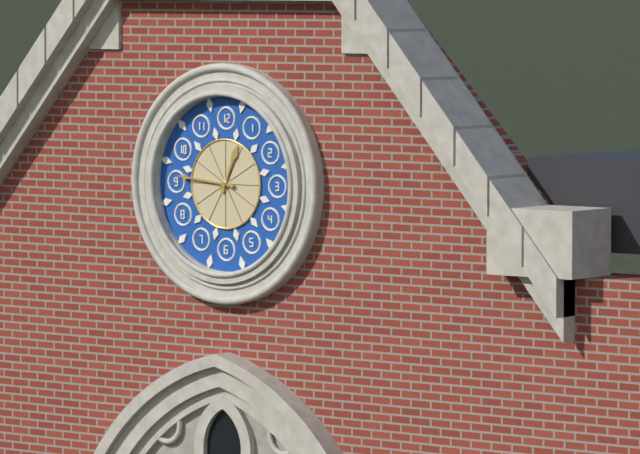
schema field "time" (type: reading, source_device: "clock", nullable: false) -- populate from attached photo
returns 12:46
